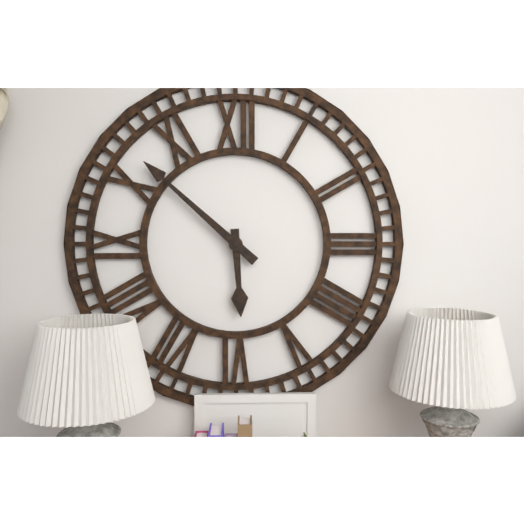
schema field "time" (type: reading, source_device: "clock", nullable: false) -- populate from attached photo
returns 5:52
